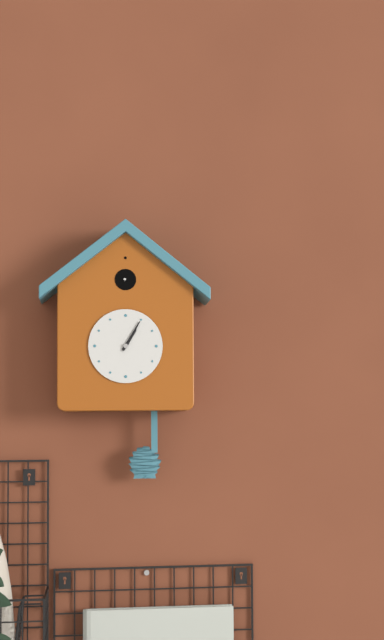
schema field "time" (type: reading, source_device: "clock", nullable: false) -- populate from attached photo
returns 1:05
